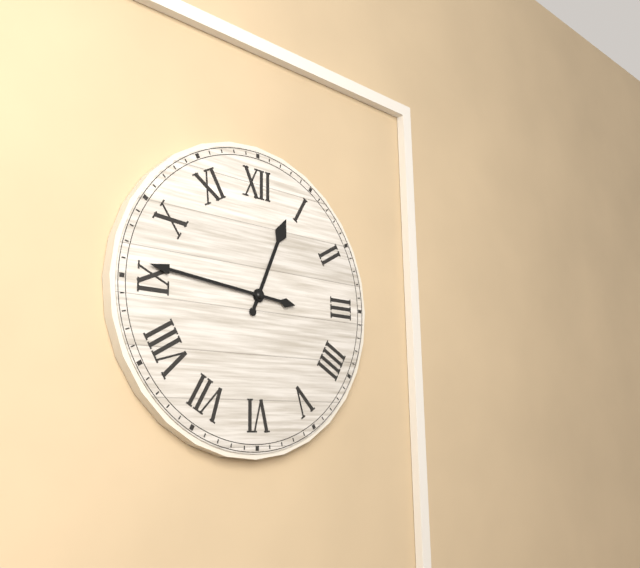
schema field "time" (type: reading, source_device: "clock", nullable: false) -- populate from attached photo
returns 12:46
